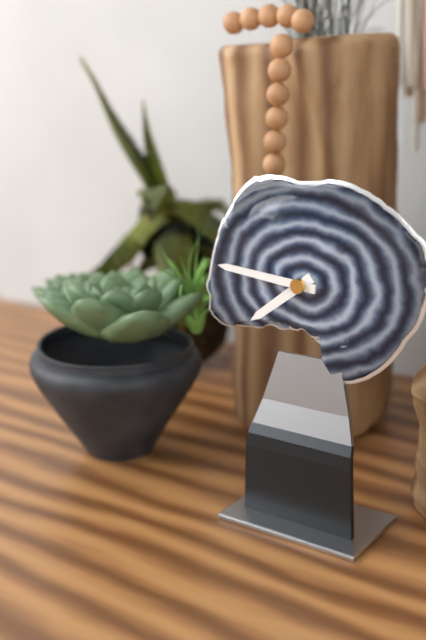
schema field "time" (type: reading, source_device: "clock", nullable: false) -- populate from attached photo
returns 7:46
